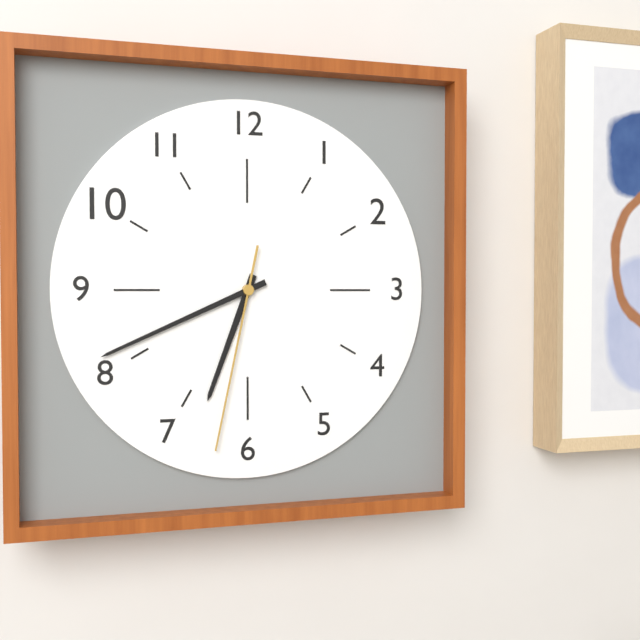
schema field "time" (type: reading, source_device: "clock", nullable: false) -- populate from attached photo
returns 6:41:32
